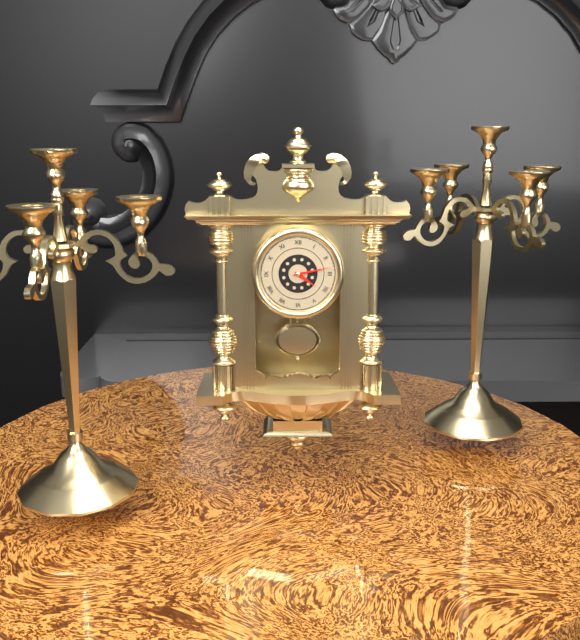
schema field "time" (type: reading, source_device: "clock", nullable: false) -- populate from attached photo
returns 4:13
